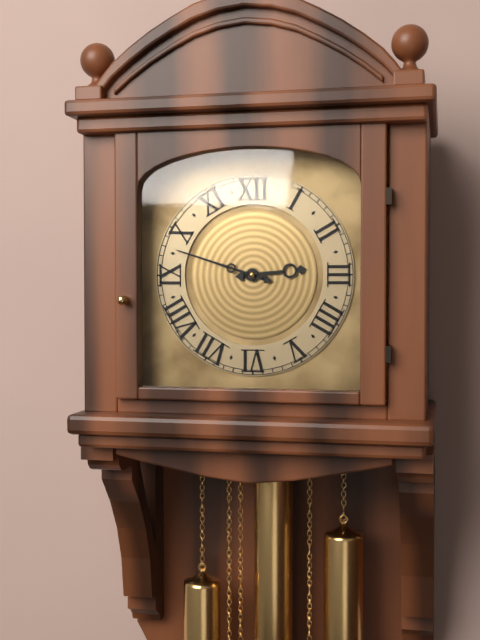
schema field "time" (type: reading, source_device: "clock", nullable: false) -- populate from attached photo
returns 2:48
